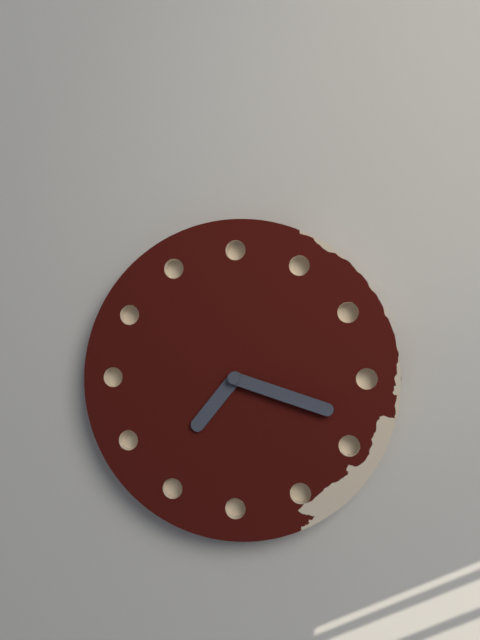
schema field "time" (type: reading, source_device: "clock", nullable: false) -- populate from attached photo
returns 7:18
